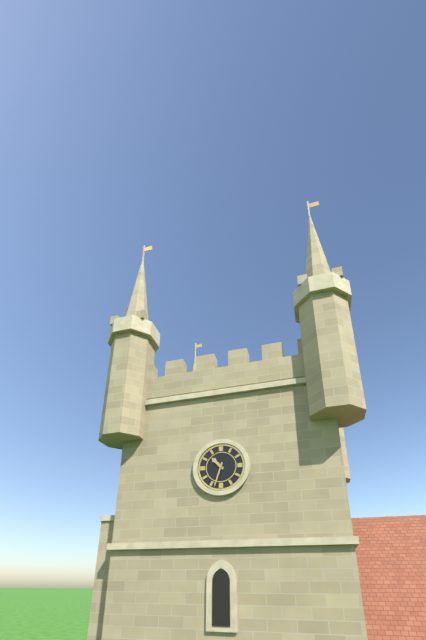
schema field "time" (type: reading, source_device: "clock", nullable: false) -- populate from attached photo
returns 10:33
